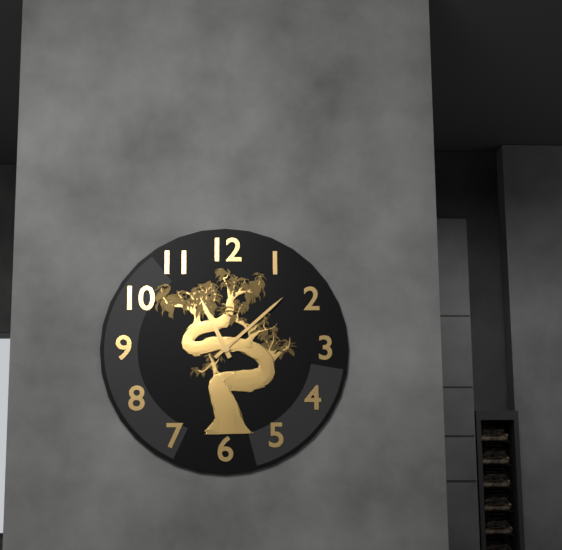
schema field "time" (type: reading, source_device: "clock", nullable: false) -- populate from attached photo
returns 11:08
